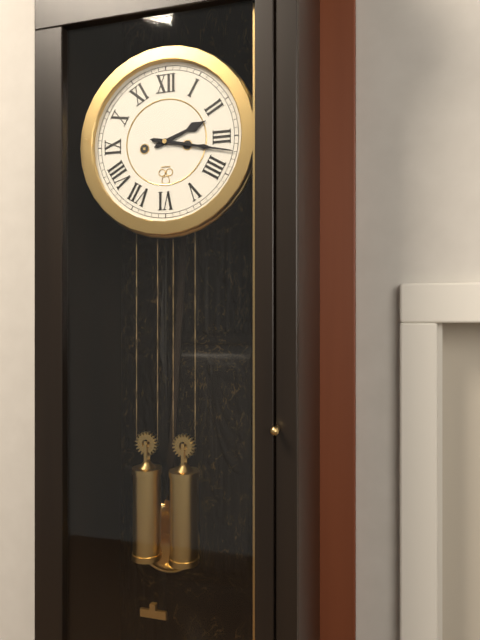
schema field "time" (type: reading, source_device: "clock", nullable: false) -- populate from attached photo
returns 2:17
